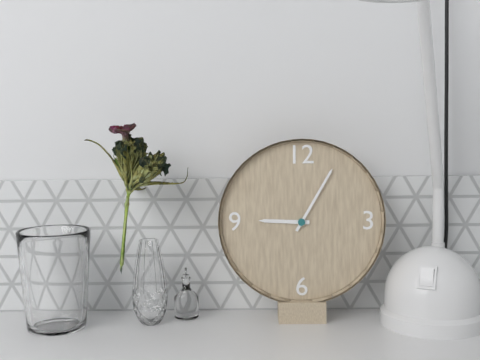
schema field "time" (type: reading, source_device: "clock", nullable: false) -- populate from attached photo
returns 9:05
